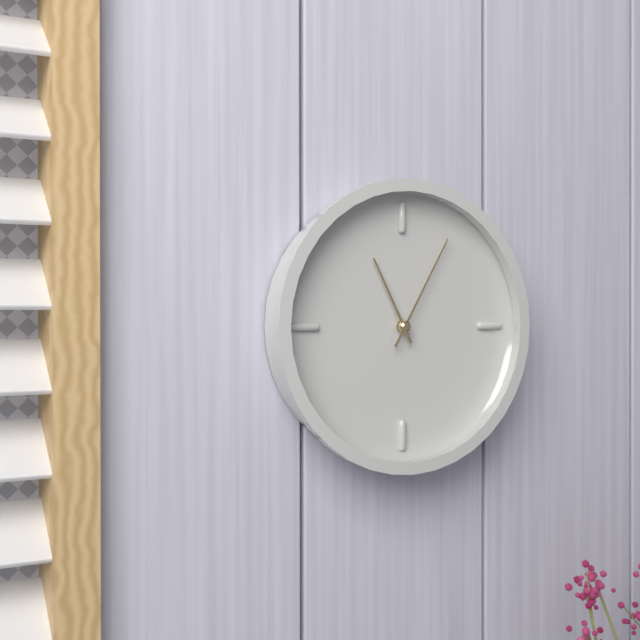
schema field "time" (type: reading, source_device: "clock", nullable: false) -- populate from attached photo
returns 11:05
